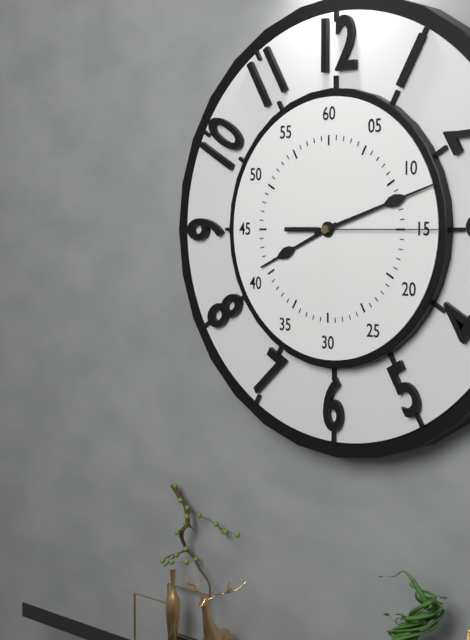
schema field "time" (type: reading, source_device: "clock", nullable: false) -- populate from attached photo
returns 8:12:15
